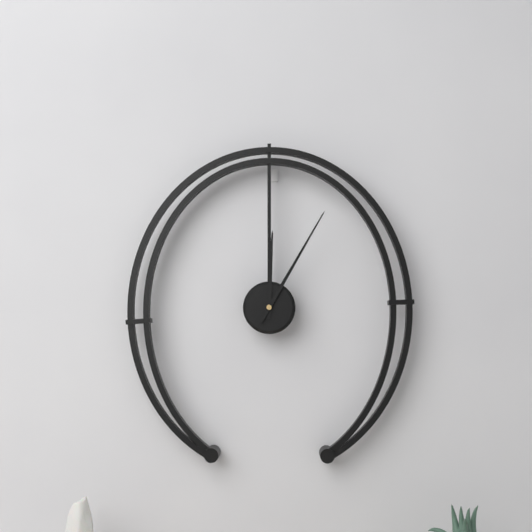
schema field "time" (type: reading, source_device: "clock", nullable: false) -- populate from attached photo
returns 12:05
